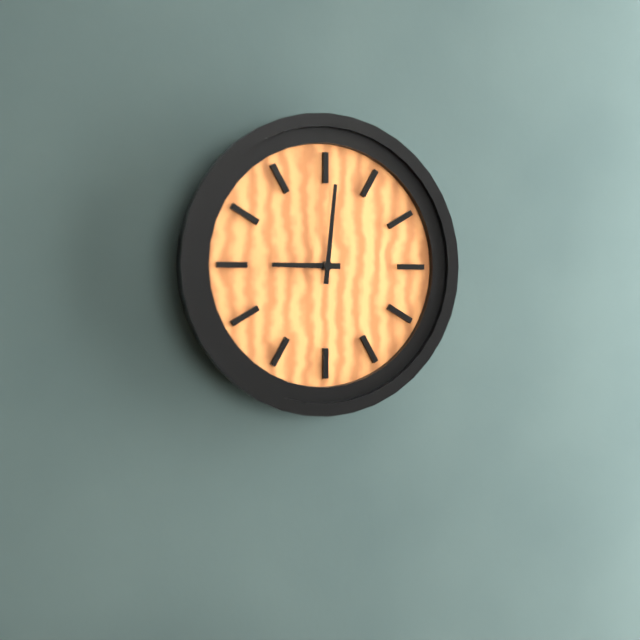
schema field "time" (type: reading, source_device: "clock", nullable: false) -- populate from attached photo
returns 9:01
